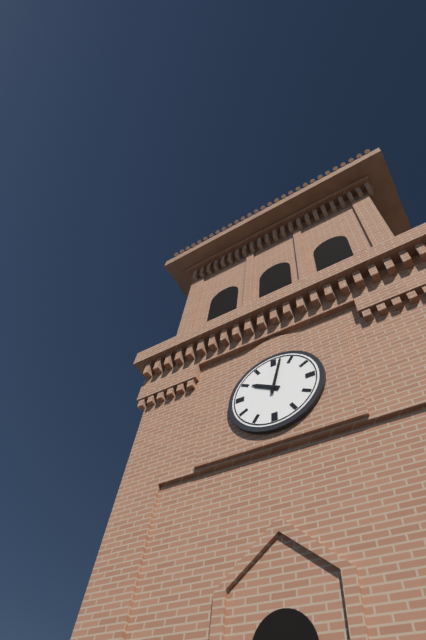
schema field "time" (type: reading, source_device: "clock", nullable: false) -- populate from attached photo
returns 10:02
